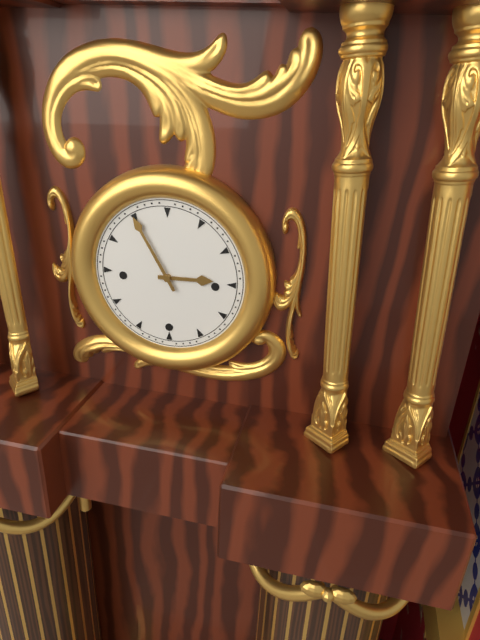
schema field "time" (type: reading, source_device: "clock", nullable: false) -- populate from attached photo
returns 2:55
